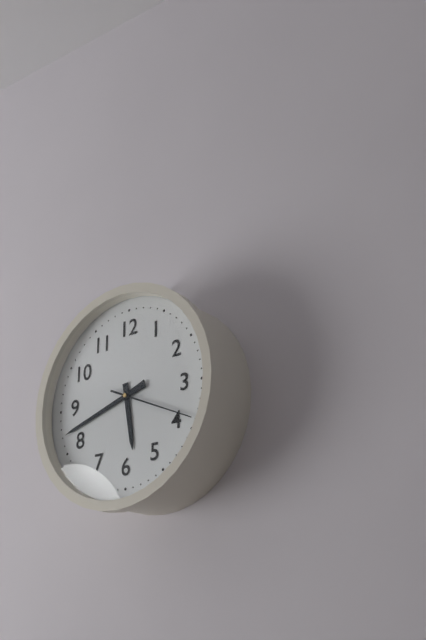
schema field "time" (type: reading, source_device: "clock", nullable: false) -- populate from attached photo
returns 5:42
